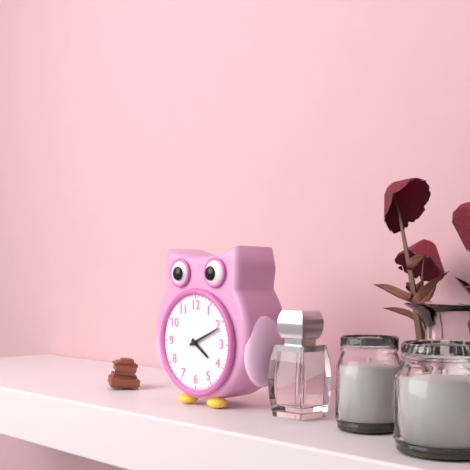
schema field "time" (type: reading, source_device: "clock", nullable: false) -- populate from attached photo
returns 4:11
